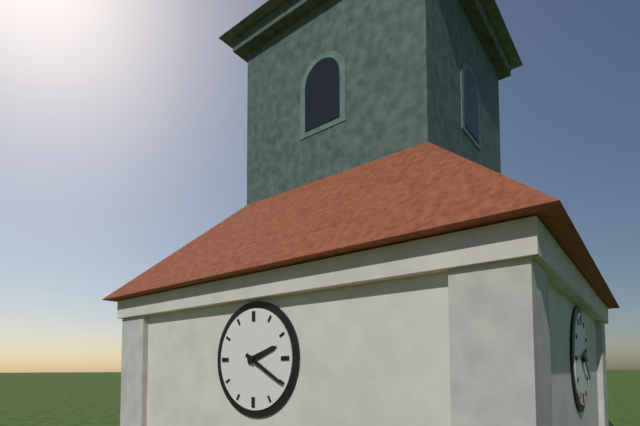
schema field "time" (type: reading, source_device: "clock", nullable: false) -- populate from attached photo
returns 2:20
